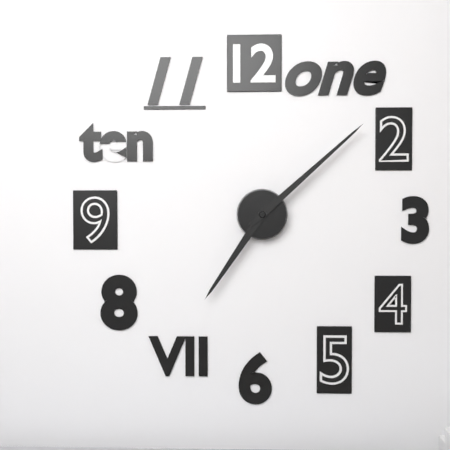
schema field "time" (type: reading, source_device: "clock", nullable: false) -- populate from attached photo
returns 7:08
